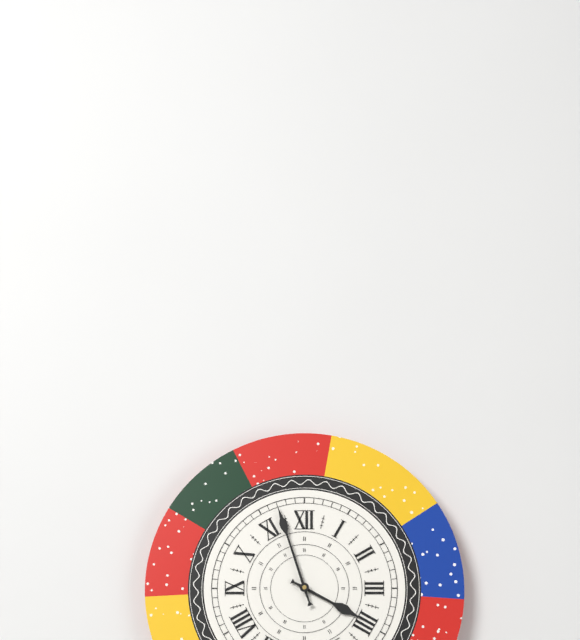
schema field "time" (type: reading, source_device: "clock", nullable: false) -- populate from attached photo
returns 3:57
